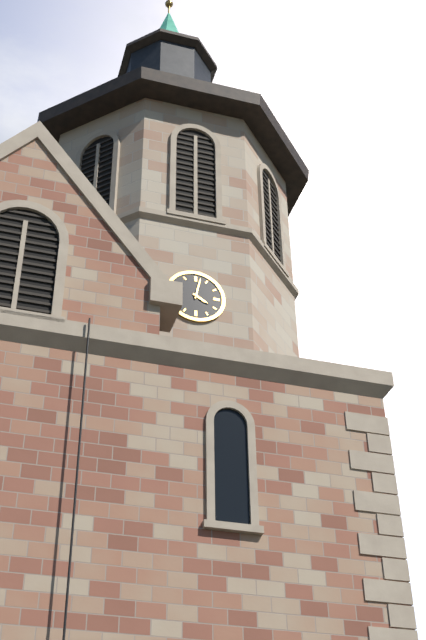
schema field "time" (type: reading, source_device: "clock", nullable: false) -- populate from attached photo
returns 4:02
